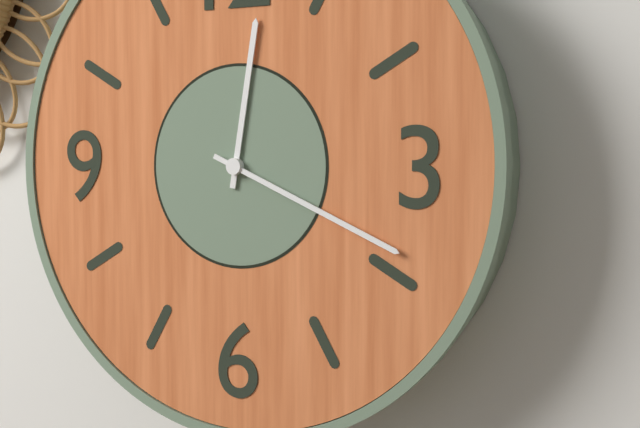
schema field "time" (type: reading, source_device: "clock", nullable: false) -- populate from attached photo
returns 12:19
